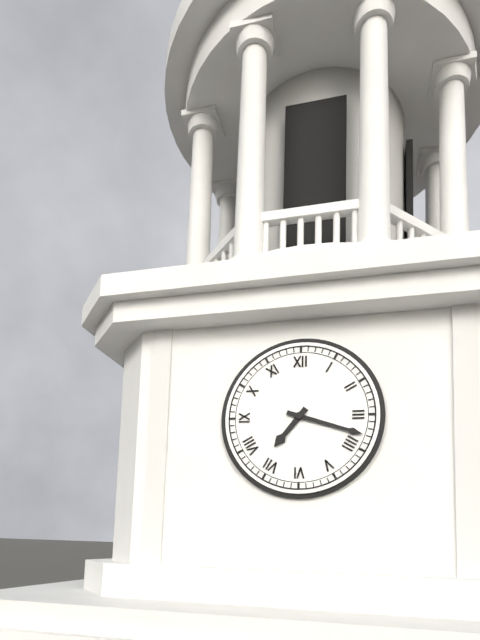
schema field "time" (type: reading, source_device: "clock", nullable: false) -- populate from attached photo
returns 7:18
